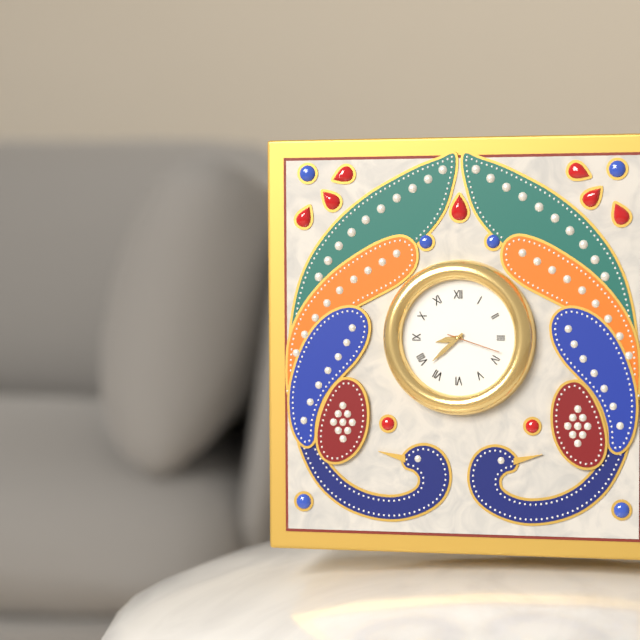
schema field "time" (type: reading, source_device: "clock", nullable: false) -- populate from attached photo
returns 8:38:18
